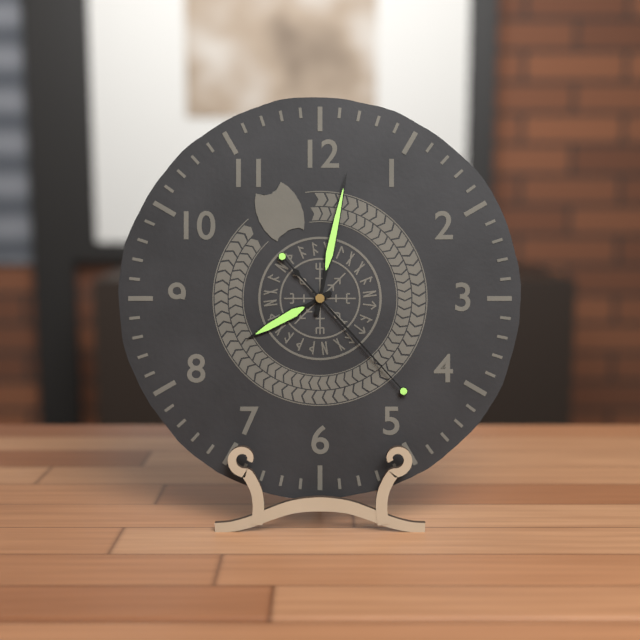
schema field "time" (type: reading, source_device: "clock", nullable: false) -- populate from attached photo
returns 8:02:23
